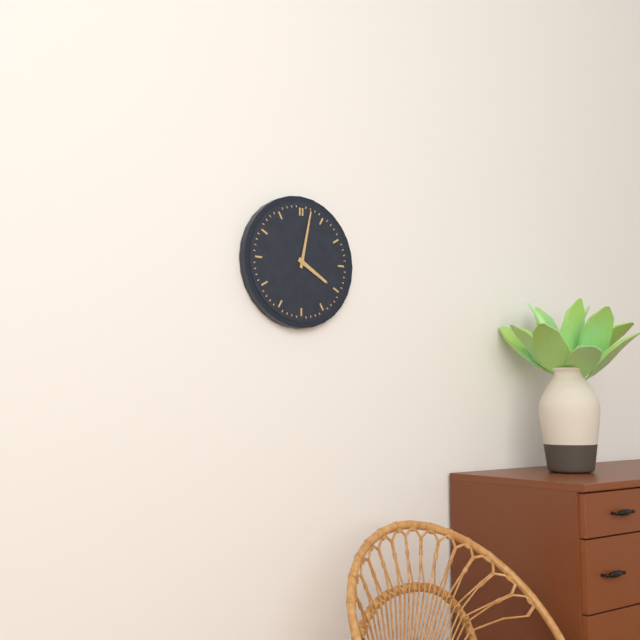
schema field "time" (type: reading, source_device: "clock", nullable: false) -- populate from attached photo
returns 4:02
